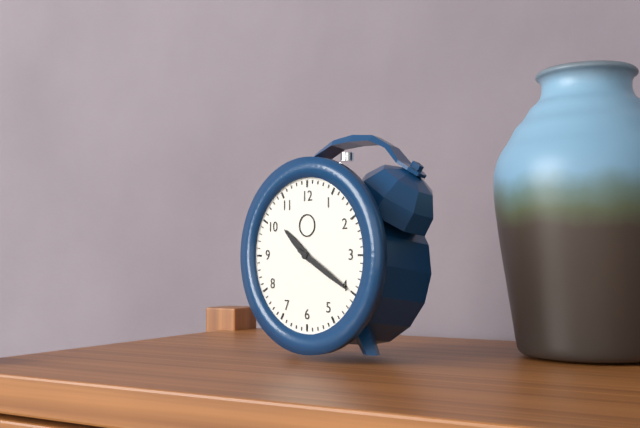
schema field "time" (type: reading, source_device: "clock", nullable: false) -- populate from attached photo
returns 10:20
